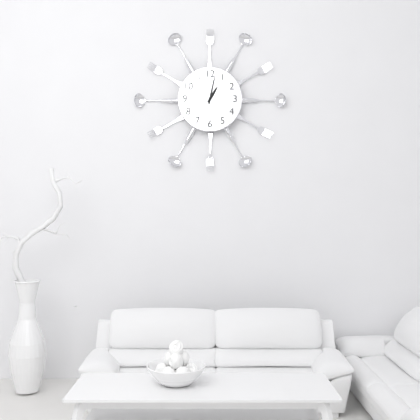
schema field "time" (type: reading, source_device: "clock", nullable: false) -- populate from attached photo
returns 1:02
